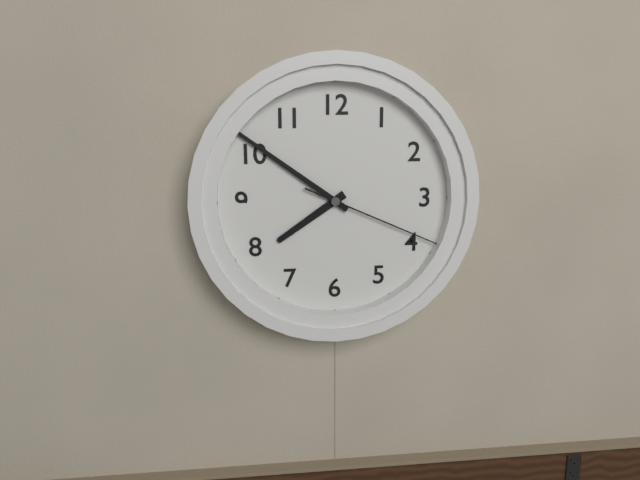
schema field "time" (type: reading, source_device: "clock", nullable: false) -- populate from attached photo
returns 7:51:19
